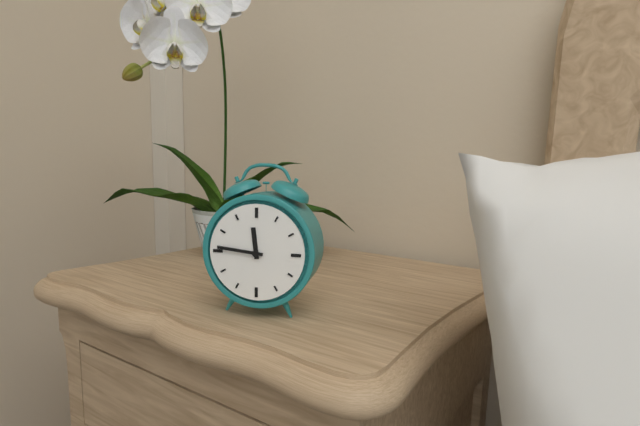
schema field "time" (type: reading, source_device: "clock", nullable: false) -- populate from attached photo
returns 11:46
